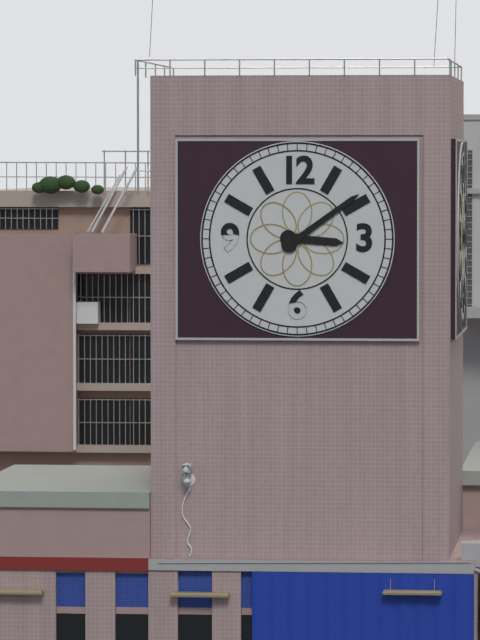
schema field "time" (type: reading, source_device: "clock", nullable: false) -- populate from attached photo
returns 3:09
